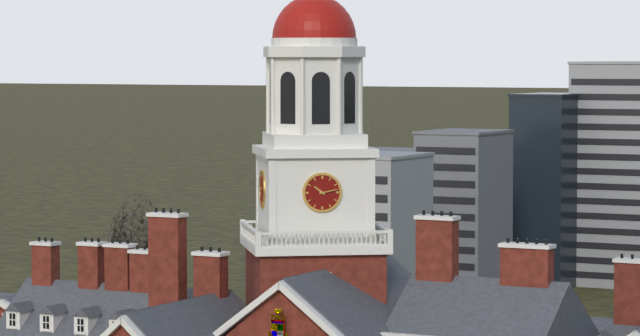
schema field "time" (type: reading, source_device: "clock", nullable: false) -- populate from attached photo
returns 10:13
